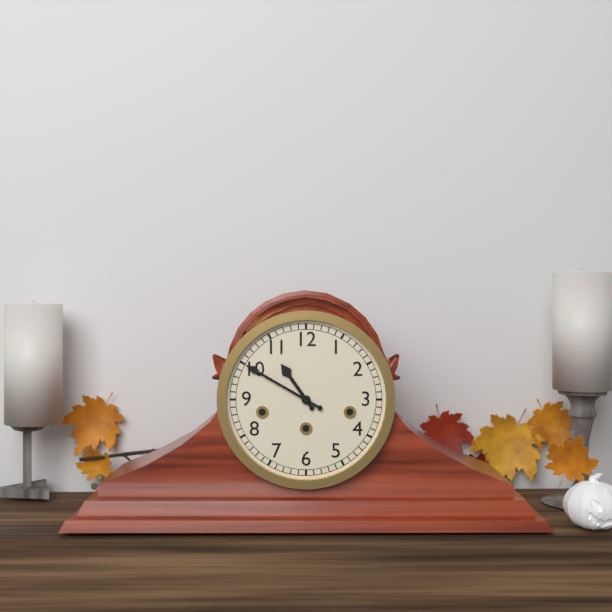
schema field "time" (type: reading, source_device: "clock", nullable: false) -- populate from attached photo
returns 10:50
